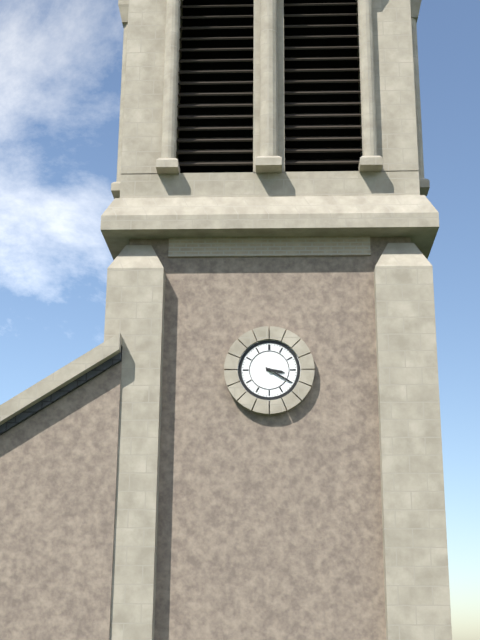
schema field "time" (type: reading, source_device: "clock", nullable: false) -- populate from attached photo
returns 3:20
